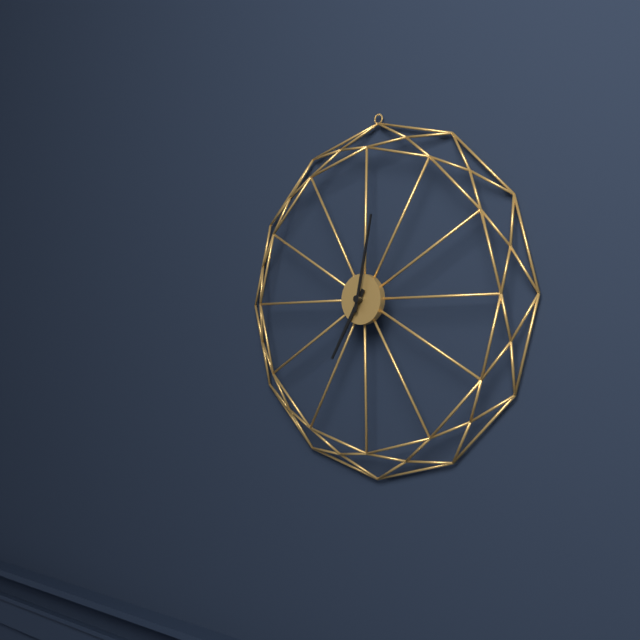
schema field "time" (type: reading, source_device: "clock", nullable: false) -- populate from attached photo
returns 7:02
